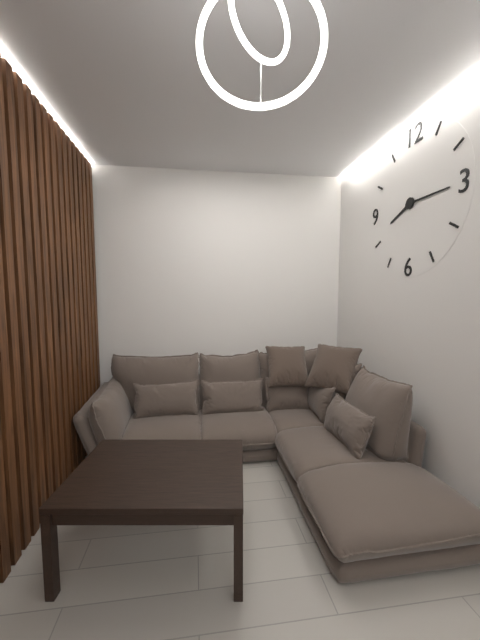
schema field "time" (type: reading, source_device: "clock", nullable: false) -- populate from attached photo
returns 8:15
